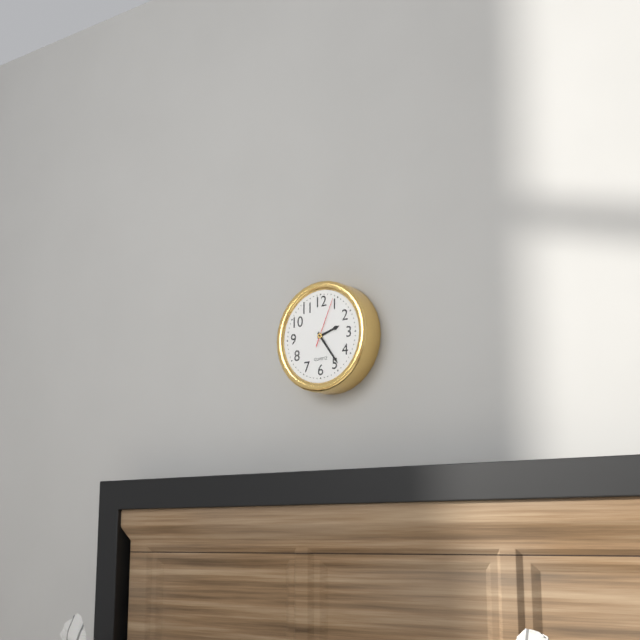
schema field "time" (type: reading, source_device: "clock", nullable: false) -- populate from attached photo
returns 2:24
